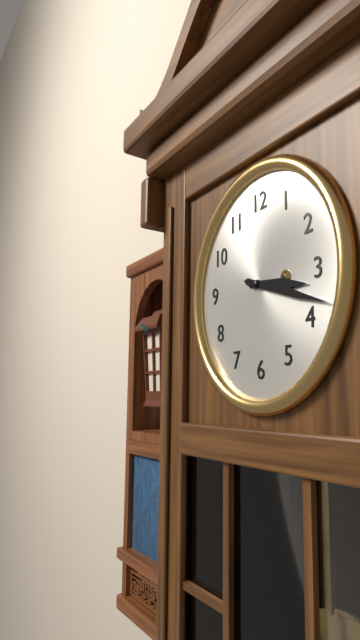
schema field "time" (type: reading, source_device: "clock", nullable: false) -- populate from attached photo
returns 3:18
